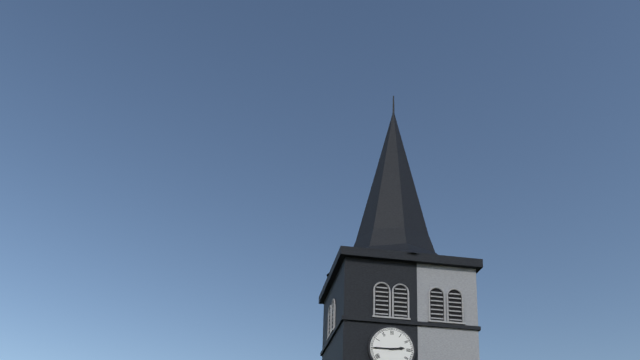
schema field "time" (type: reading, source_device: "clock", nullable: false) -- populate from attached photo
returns 2:45
